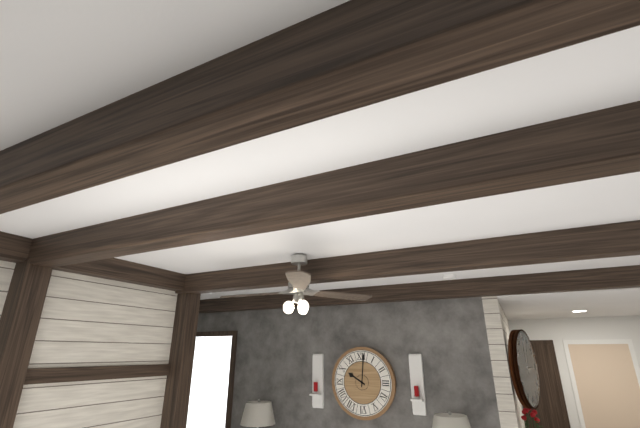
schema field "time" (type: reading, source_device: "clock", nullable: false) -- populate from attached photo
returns 10:01
